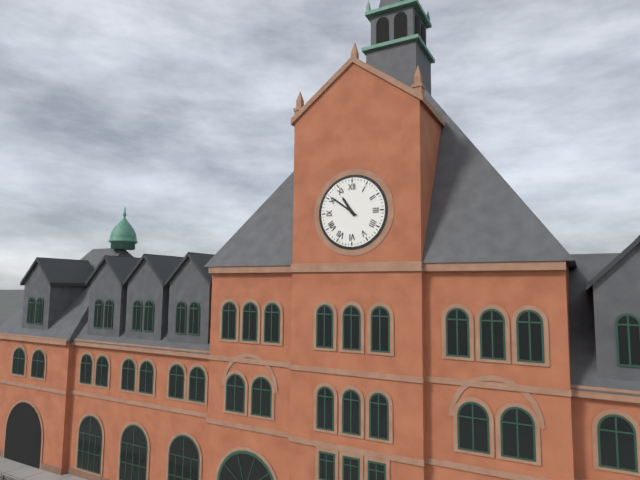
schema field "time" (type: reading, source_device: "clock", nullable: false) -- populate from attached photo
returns 10:51
